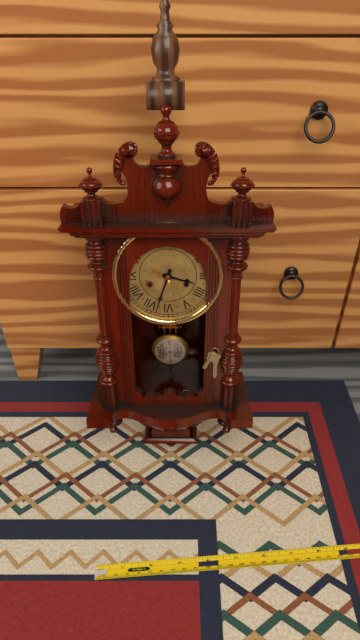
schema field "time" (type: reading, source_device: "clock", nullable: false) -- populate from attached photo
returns 3:33
